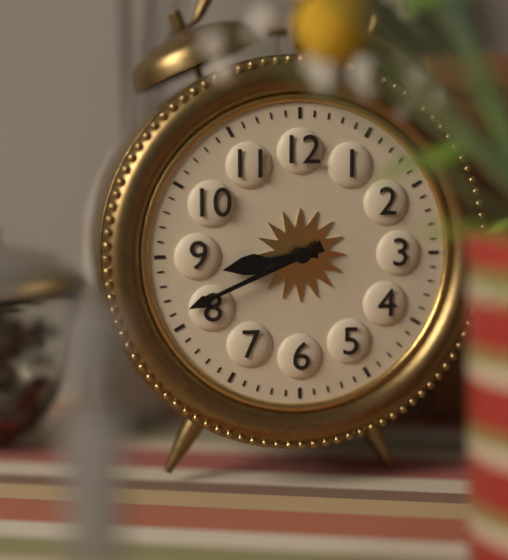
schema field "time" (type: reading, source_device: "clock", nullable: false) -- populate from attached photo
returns 8:41
